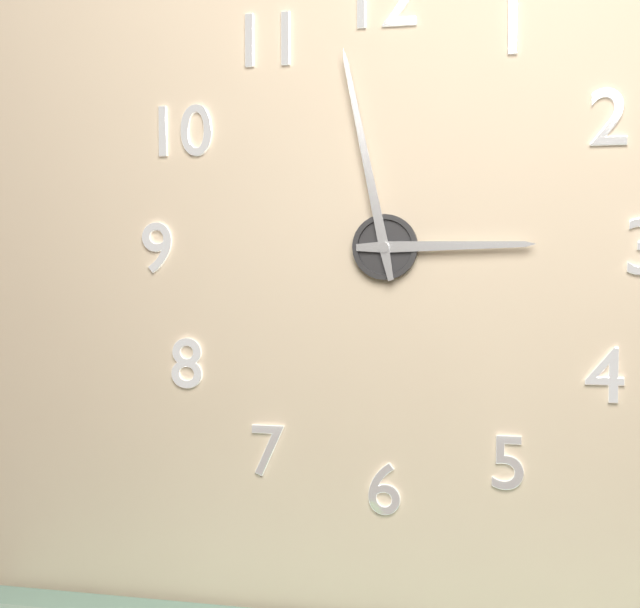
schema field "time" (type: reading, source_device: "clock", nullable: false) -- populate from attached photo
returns 2:58
